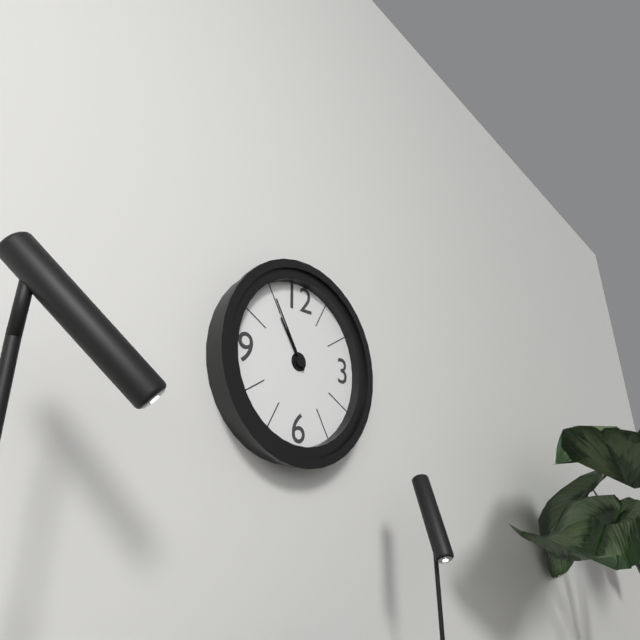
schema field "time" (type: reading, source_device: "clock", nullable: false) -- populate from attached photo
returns 10:55
